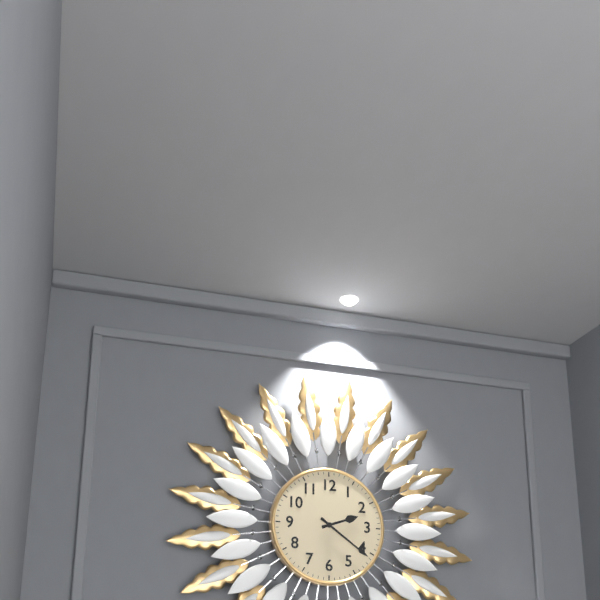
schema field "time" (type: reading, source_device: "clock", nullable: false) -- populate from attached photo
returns 2:21
